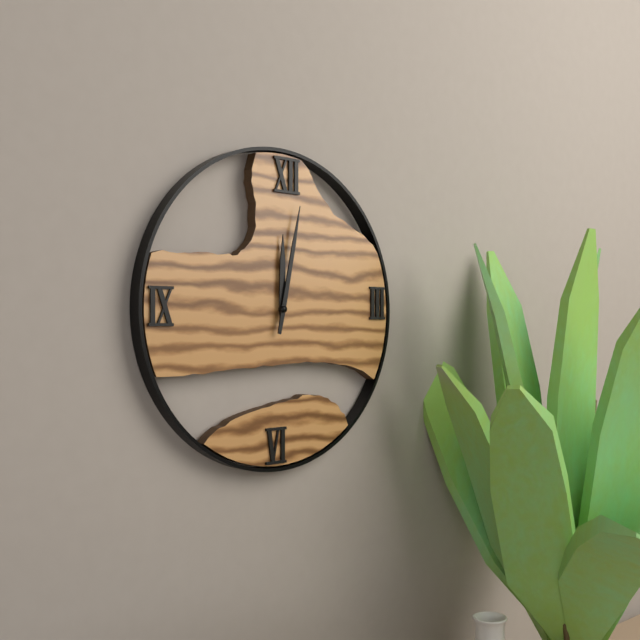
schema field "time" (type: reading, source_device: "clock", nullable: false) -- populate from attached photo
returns 12:02
